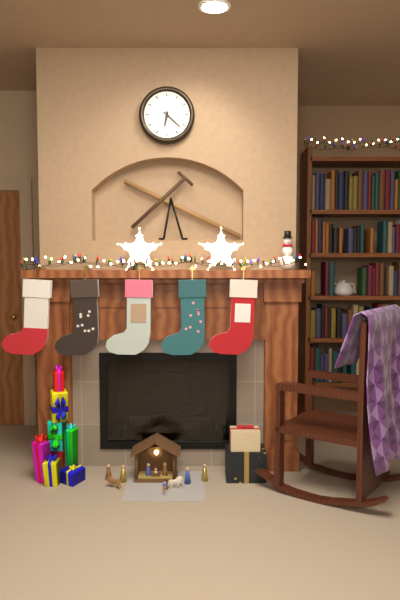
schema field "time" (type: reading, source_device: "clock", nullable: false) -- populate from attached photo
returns 6:22
